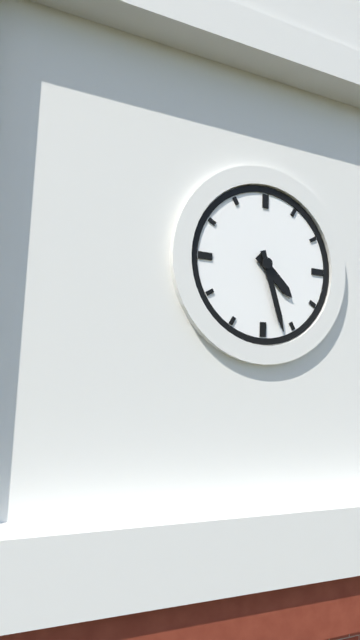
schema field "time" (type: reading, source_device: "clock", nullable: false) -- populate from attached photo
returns 4:27
